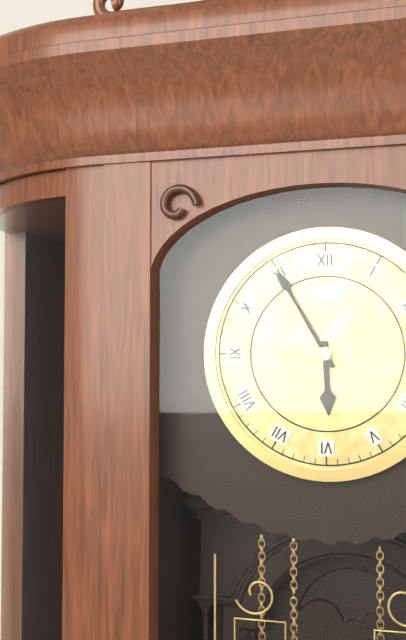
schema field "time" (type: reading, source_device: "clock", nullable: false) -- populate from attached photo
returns 5:55
